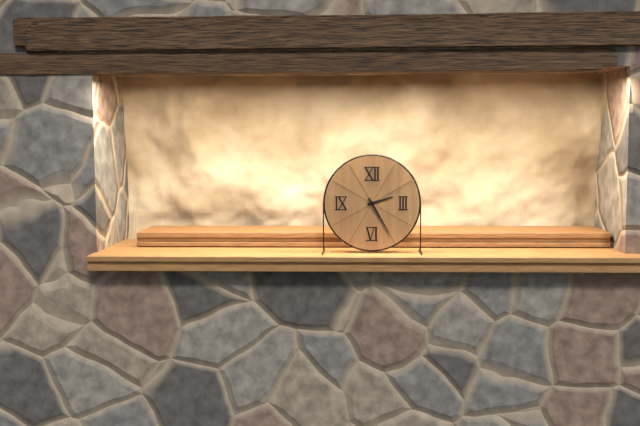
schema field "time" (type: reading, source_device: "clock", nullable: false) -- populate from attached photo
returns 2:25
